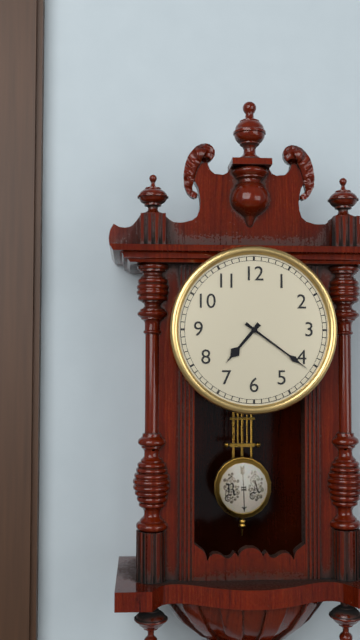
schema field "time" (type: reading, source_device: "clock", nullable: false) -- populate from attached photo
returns 7:21
